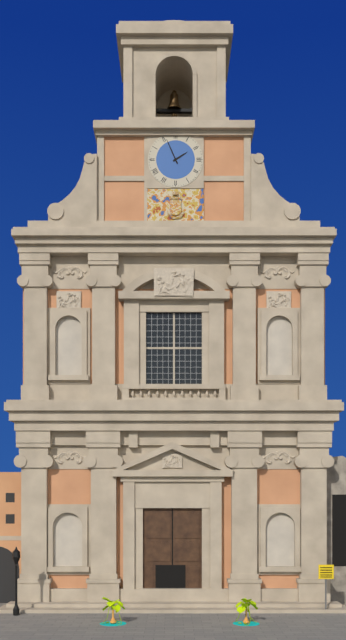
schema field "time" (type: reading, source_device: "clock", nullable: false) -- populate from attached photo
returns 1:56
